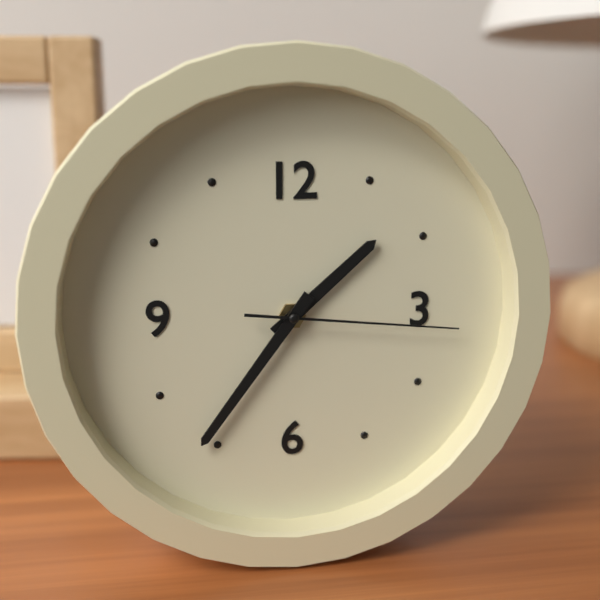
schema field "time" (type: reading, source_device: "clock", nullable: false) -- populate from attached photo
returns 1:36:16
